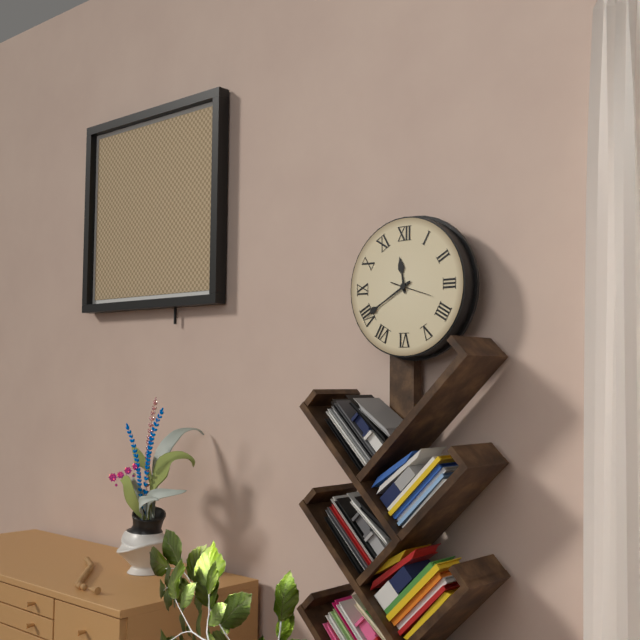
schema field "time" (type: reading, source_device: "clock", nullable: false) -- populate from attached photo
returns 11:40
